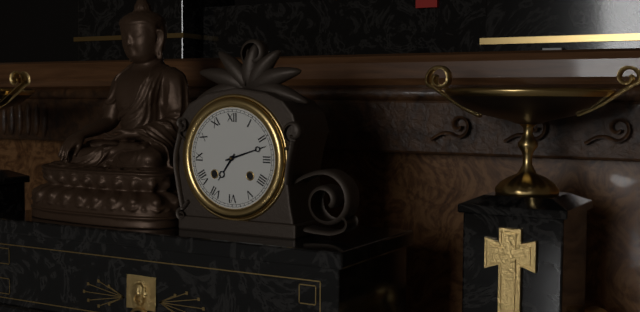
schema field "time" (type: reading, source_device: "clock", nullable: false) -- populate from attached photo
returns 7:12
